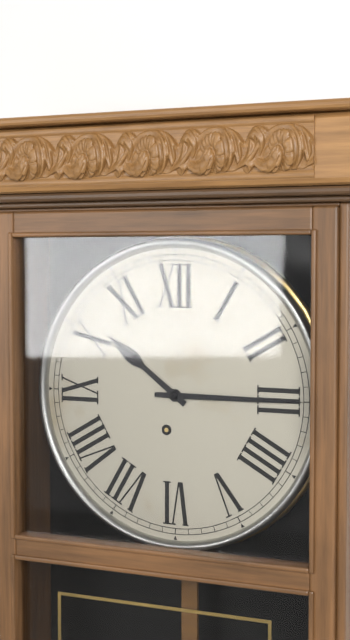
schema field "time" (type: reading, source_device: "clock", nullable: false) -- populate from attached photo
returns 10:15
